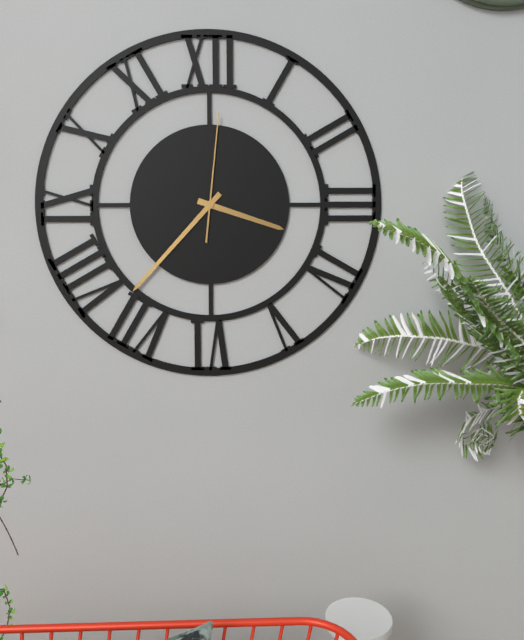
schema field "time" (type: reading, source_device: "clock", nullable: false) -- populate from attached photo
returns 3:37:01
